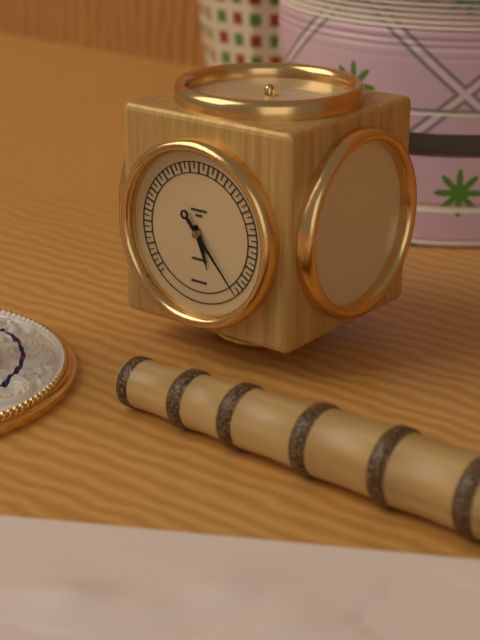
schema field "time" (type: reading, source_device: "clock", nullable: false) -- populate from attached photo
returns 5:23
